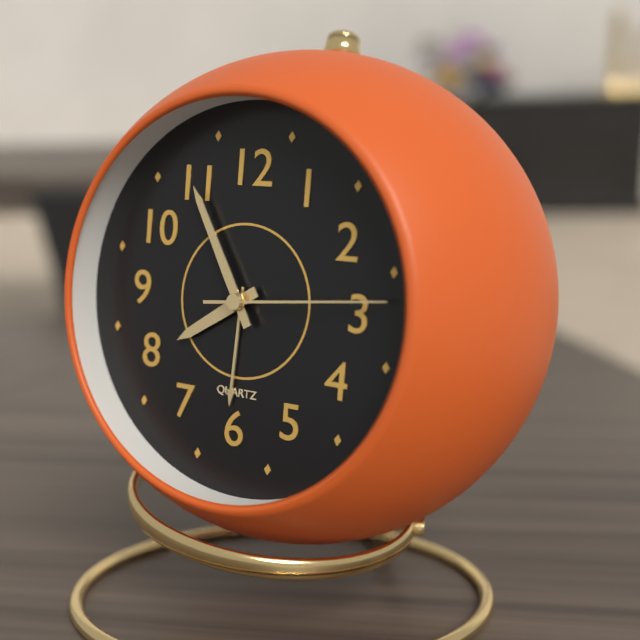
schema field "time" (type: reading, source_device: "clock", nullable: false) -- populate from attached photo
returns 7:55:14
